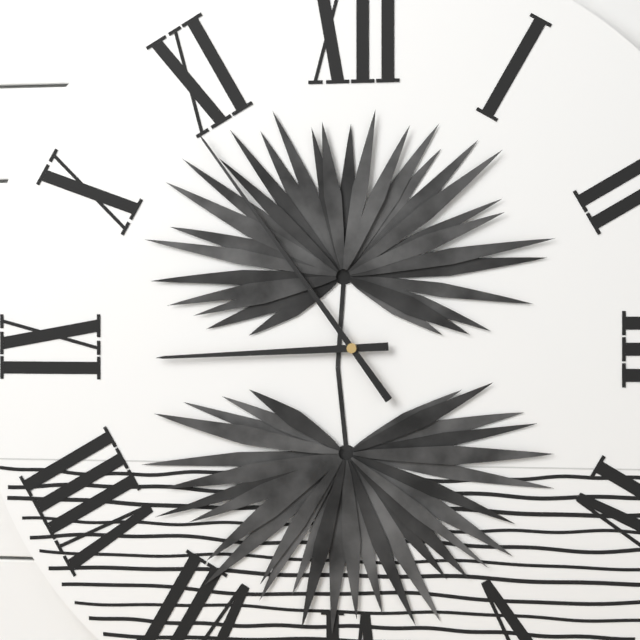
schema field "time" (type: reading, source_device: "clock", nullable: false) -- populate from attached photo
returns 8:54
